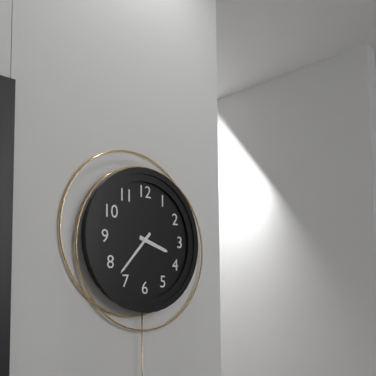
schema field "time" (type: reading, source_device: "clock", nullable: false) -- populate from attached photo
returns 3:37
